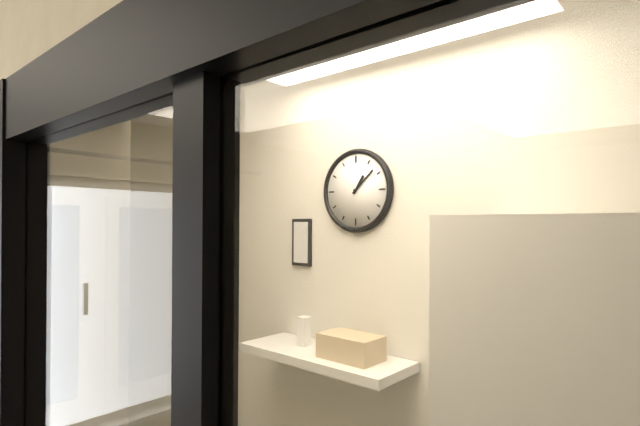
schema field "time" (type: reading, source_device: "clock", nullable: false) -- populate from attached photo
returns 1:08
